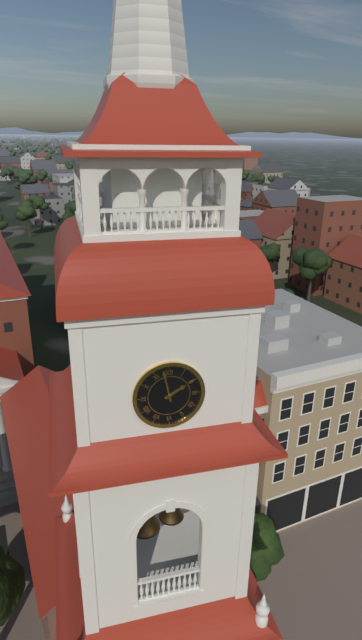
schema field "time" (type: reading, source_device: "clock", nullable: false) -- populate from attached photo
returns 1:58
